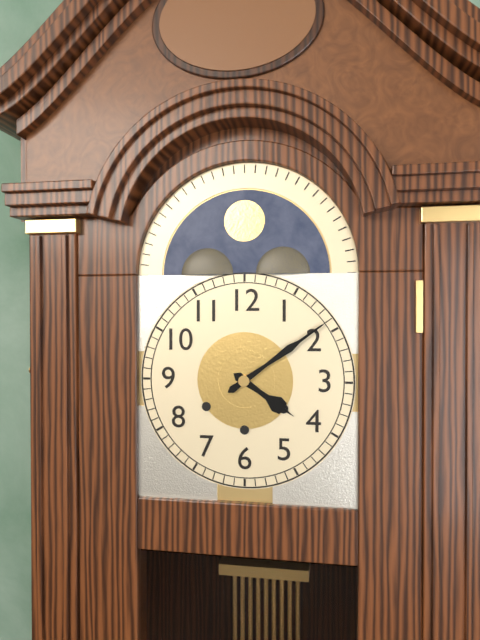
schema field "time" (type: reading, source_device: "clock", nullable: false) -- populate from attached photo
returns 4:09
